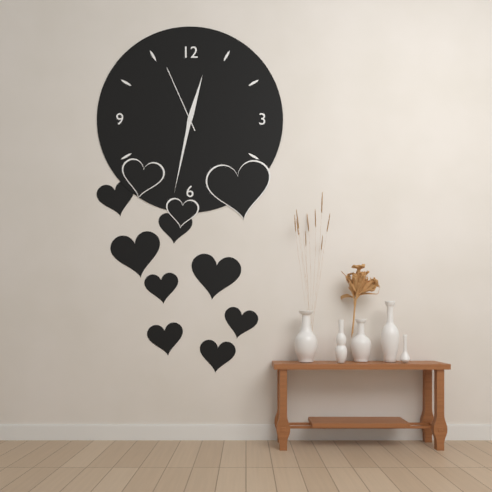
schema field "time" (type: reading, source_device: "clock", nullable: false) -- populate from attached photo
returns 12:32:56
